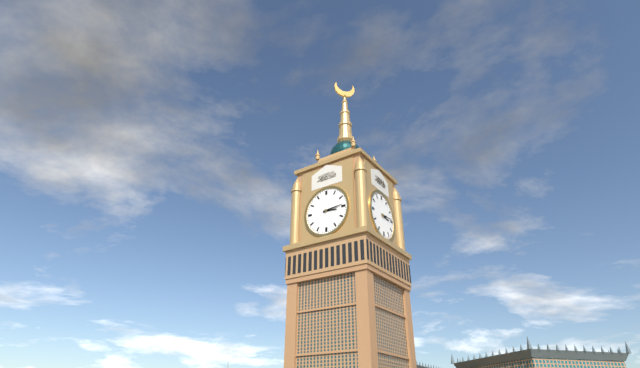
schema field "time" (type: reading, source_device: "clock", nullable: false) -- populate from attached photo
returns 3:14
